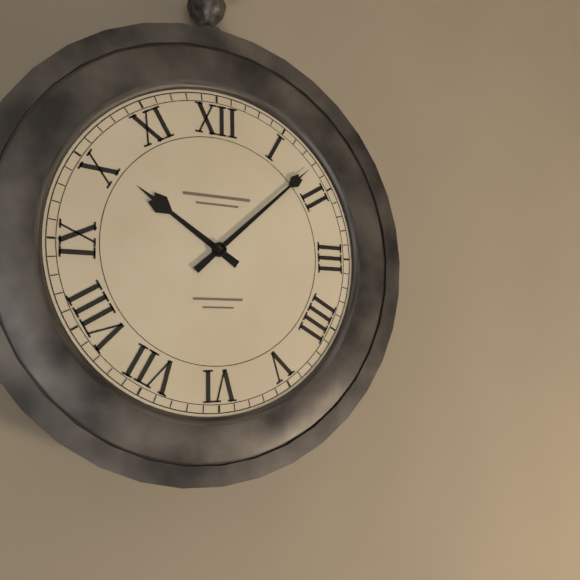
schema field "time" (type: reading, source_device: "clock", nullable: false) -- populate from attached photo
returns 10:08
